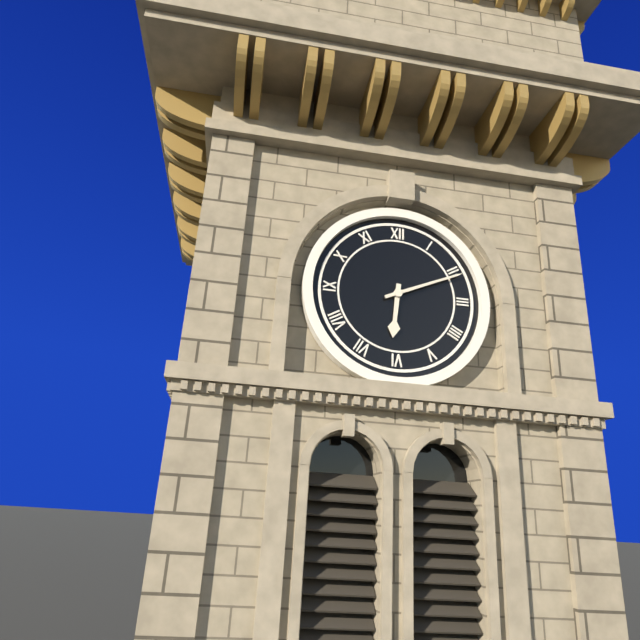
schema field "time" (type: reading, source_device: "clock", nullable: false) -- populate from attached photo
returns 6:11
